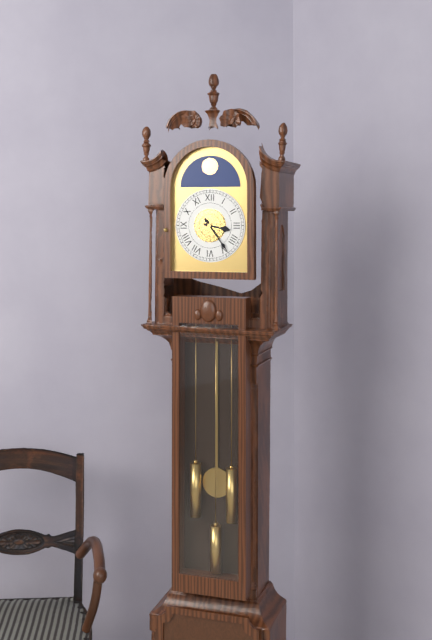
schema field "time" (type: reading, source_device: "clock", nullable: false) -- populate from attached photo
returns 3:24
